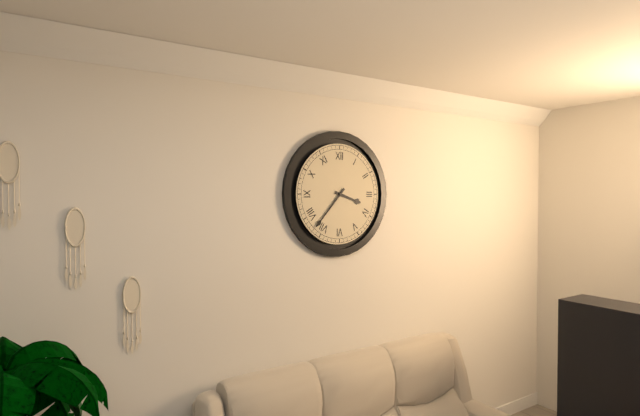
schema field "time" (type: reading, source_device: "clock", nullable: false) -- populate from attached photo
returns 3:37
